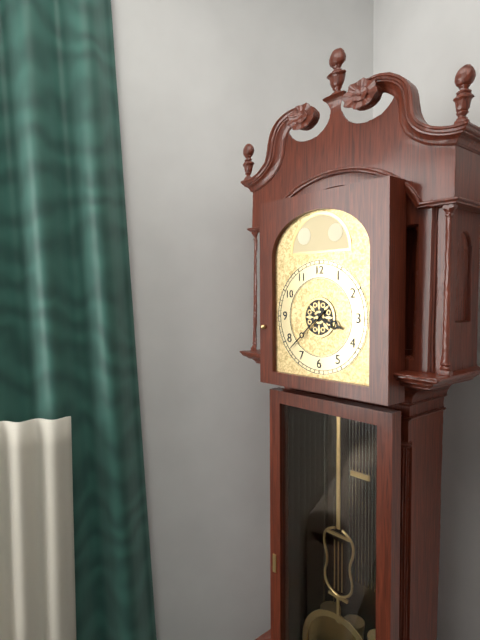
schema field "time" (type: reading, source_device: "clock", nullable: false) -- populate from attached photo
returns 3:38
